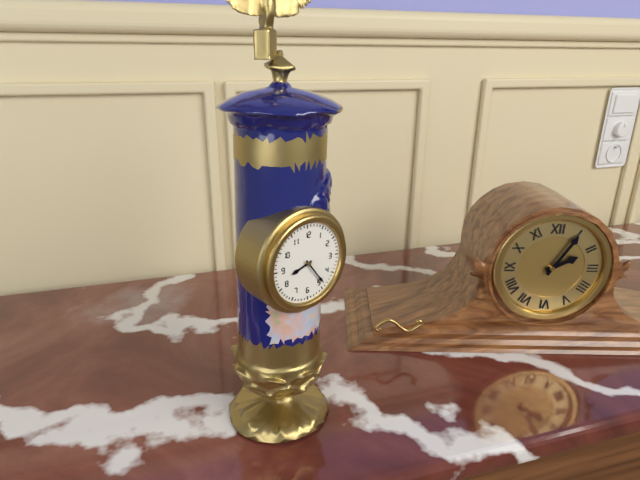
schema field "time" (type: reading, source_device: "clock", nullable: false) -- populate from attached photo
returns 8:24
